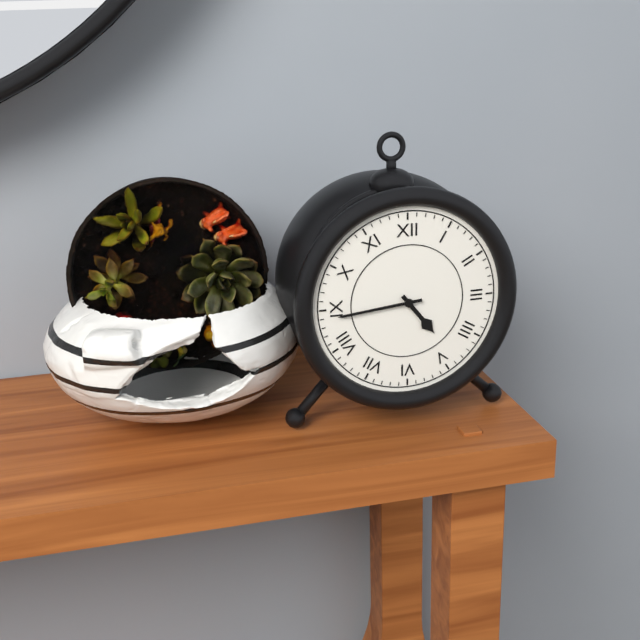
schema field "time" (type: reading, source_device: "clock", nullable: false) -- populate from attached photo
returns 4:44
